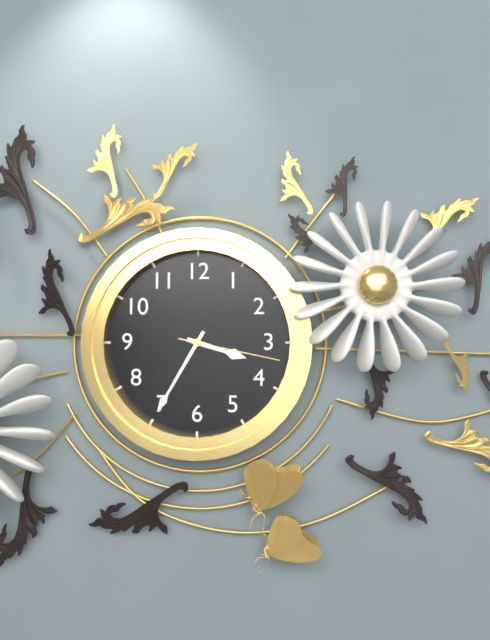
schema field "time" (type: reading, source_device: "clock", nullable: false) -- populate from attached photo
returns 3:35:17
